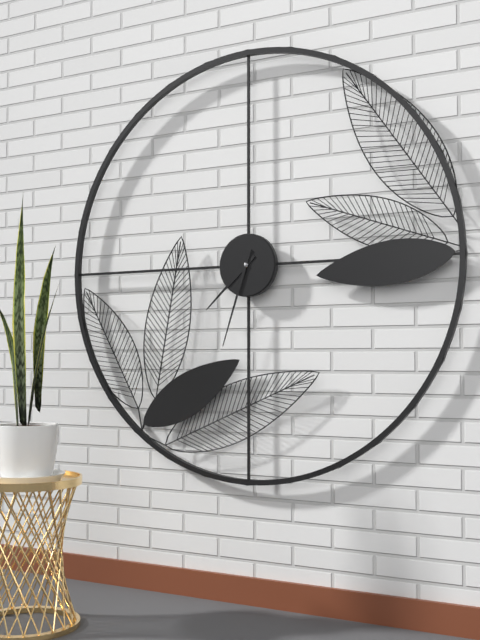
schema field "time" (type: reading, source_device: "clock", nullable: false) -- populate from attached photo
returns 7:33
